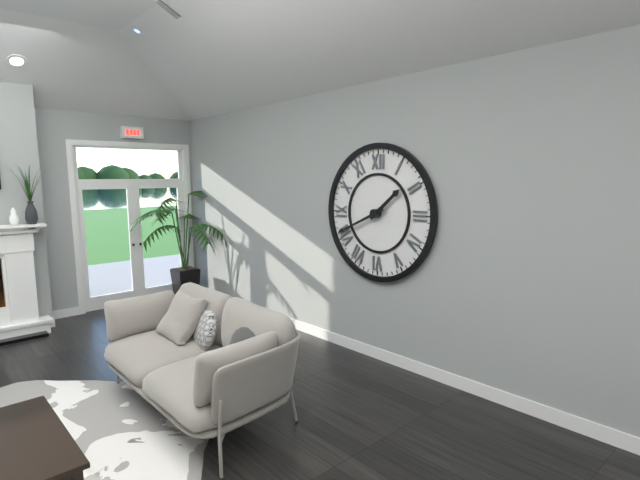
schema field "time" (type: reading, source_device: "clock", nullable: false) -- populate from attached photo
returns 1:41
